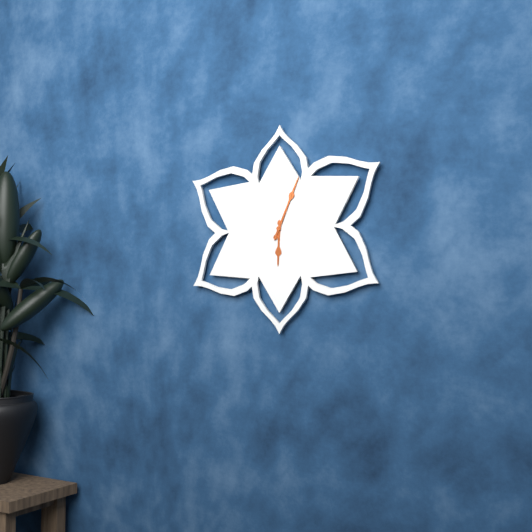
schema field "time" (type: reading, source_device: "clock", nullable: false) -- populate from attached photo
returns 6:04
